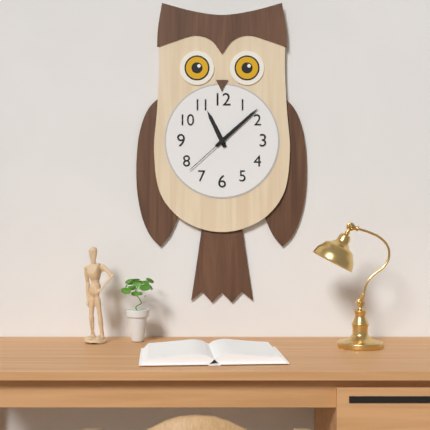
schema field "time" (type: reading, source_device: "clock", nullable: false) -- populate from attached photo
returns 11:08:38
